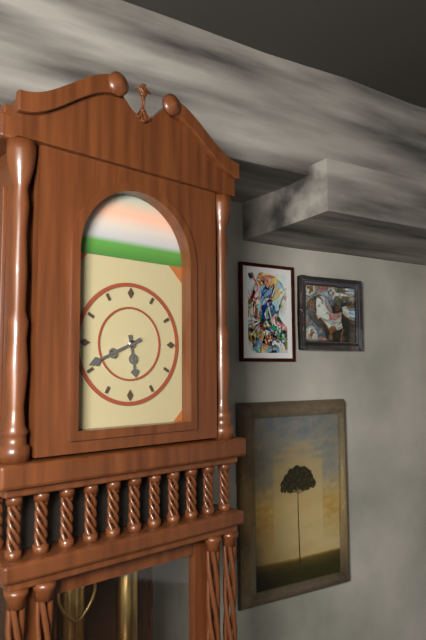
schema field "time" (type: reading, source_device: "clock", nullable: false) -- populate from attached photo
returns 5:41
